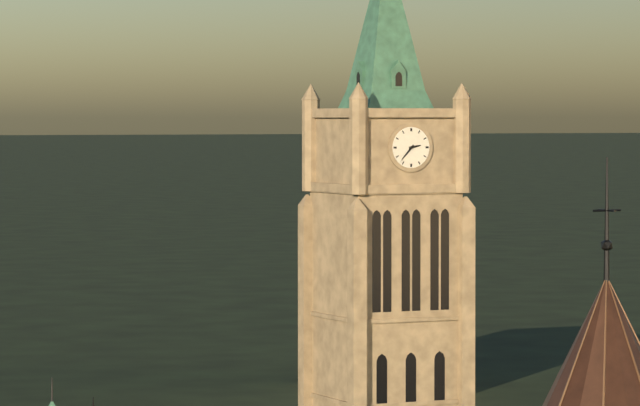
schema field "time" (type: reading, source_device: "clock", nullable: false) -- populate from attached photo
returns 2:37
